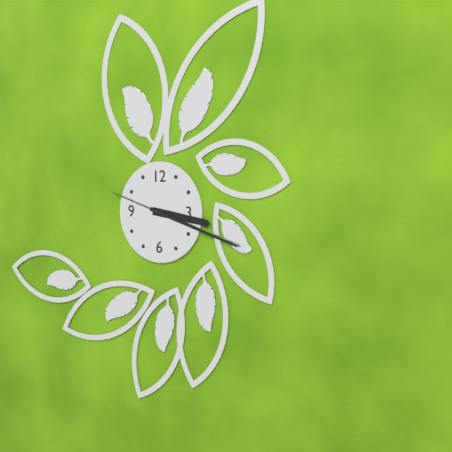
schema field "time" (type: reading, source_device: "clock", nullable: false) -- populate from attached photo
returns 3:18:48
